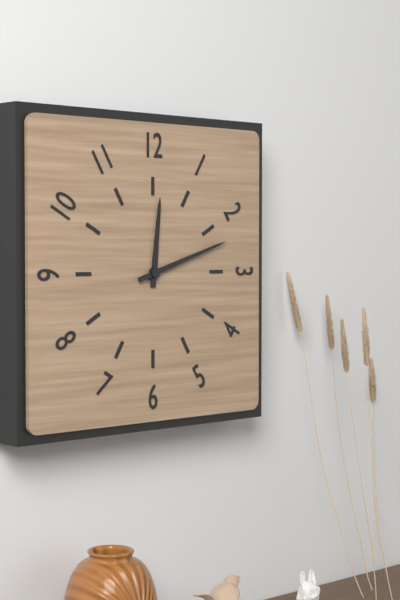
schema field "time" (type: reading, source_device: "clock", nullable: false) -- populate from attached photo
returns 12:12
